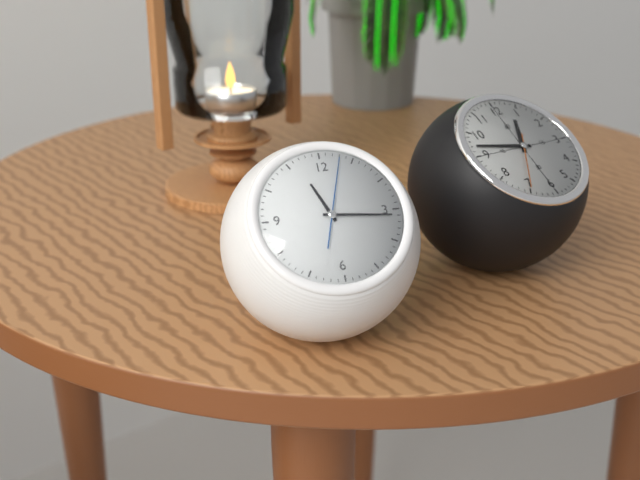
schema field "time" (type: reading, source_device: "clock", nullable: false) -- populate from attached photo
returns 11:16:03
